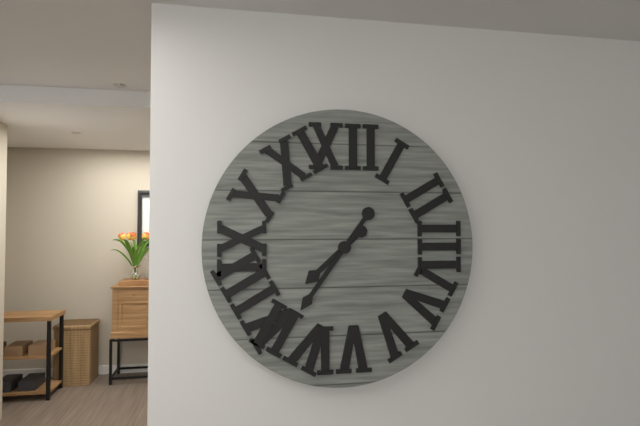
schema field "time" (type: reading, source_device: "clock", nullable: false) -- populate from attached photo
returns 7:36
